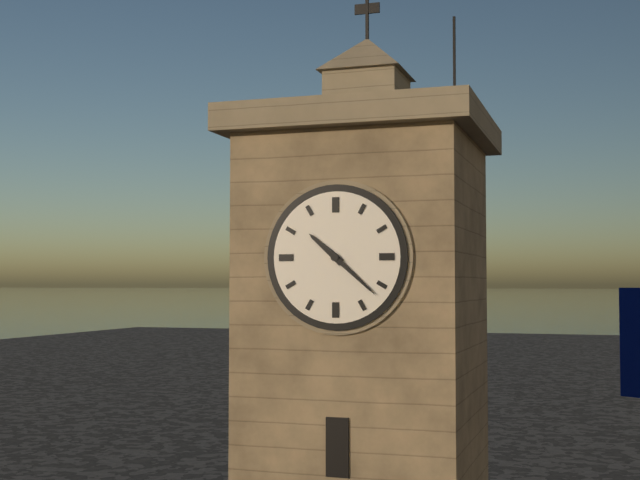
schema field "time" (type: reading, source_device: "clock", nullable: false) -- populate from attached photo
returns 10:22
